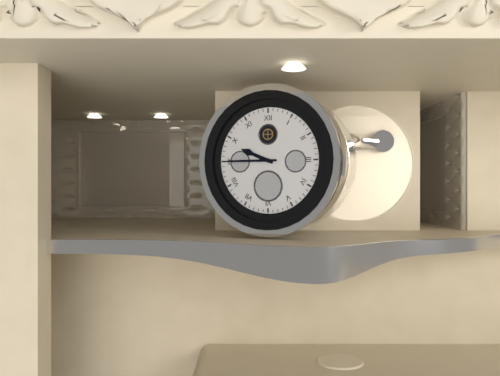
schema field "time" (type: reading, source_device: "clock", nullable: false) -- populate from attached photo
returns 9:45
